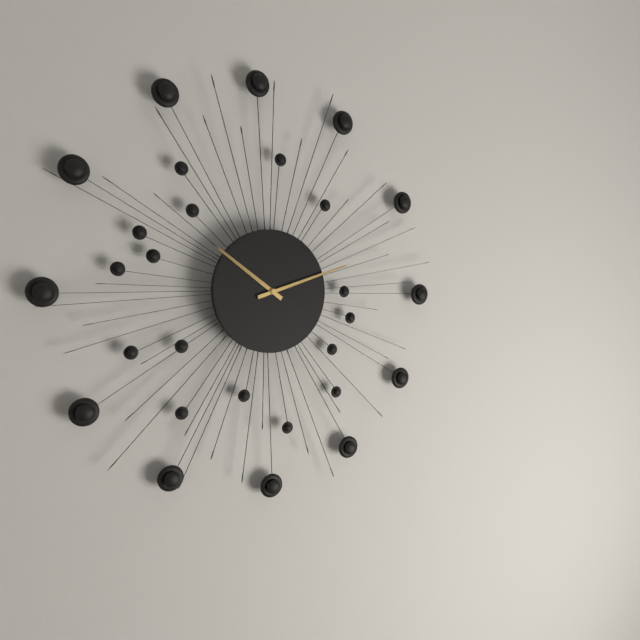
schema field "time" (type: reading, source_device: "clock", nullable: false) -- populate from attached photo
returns 10:12
